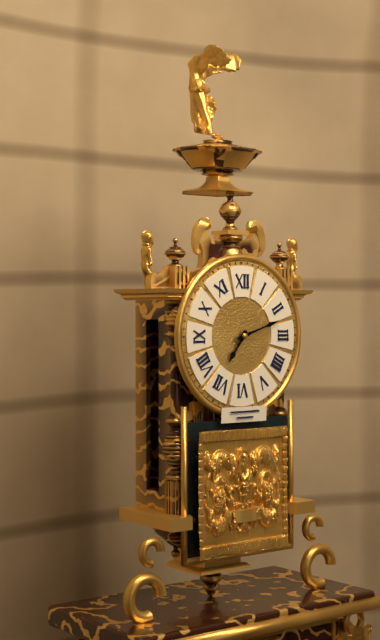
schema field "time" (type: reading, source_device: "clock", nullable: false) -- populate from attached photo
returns 7:12
